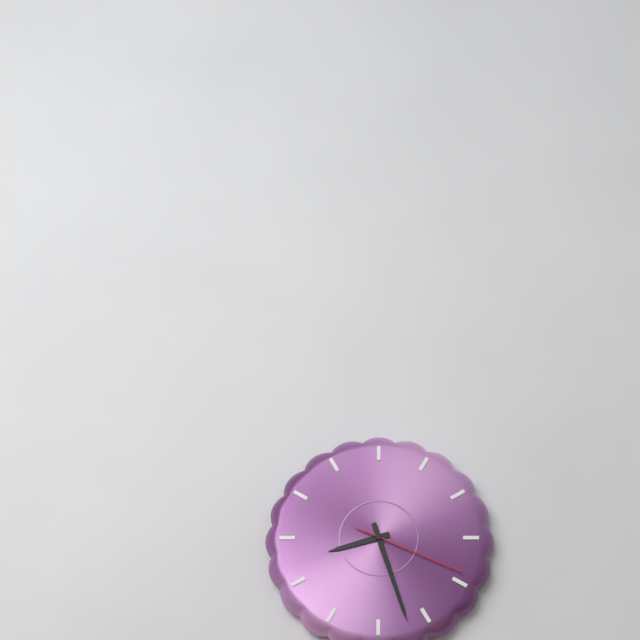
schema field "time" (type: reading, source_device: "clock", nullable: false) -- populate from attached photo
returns 8:27:19
